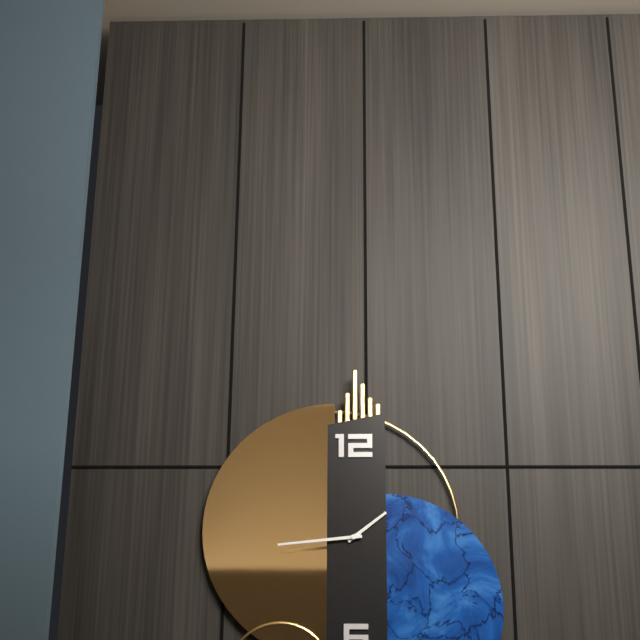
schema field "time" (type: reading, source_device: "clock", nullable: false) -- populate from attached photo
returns 1:44
